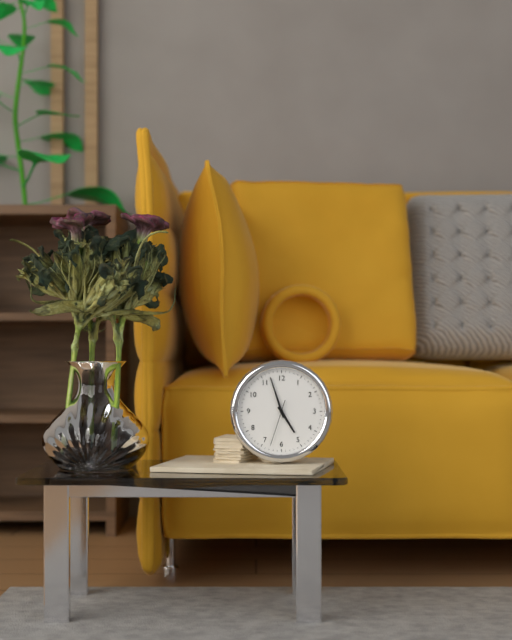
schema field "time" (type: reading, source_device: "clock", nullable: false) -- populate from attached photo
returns 4:57
